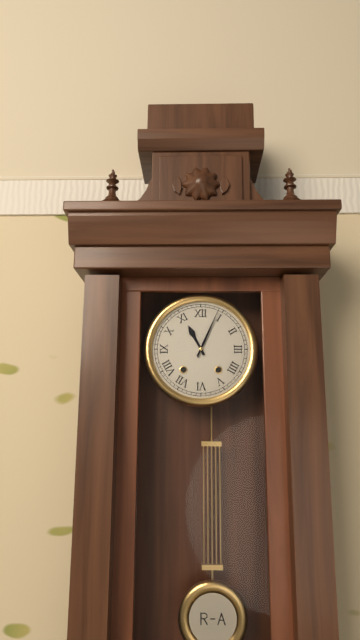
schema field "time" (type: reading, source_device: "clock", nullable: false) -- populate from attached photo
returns 11:04
